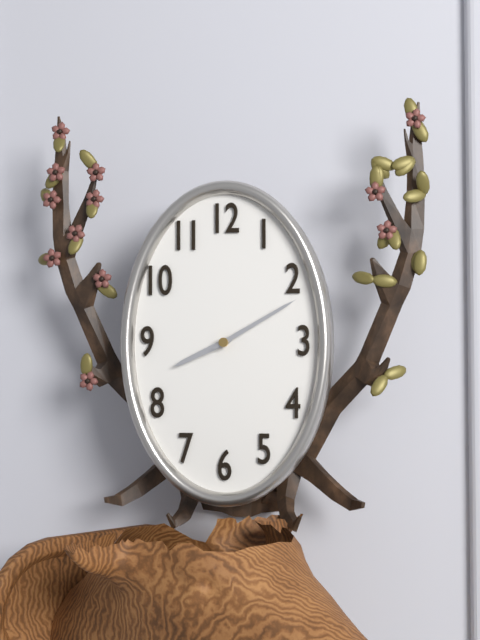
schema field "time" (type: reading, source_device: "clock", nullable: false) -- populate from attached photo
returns 8:10
